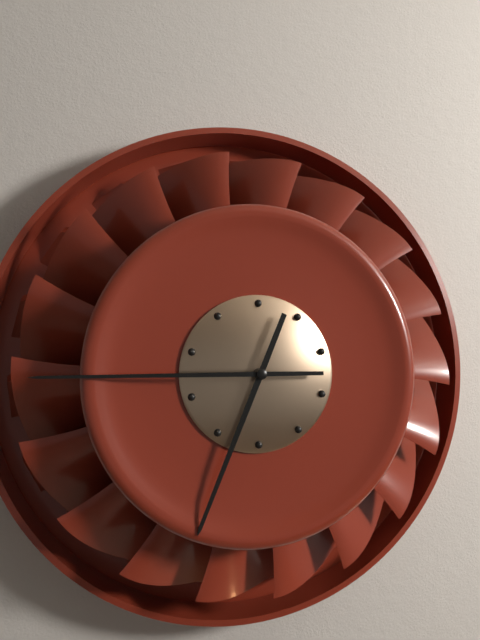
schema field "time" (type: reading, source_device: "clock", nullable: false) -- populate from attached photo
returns 6:45
